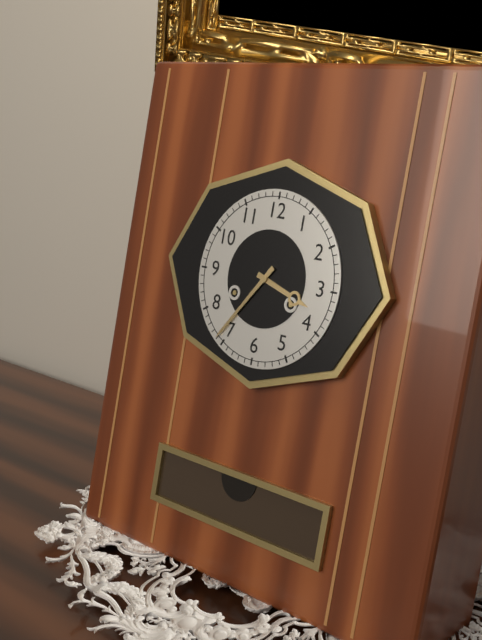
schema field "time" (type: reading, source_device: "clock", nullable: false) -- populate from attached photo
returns 3:36
